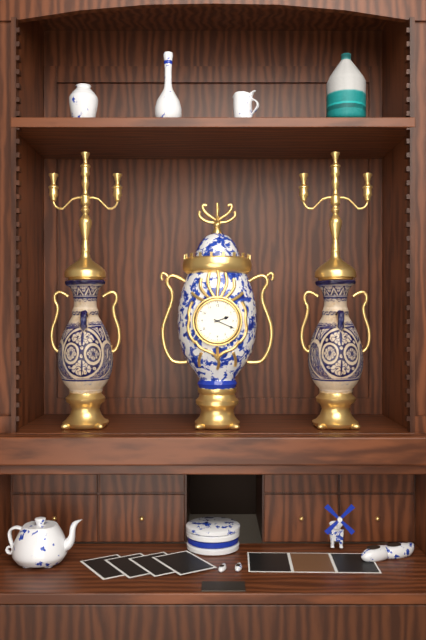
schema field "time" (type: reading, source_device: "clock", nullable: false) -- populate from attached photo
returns 2:19
